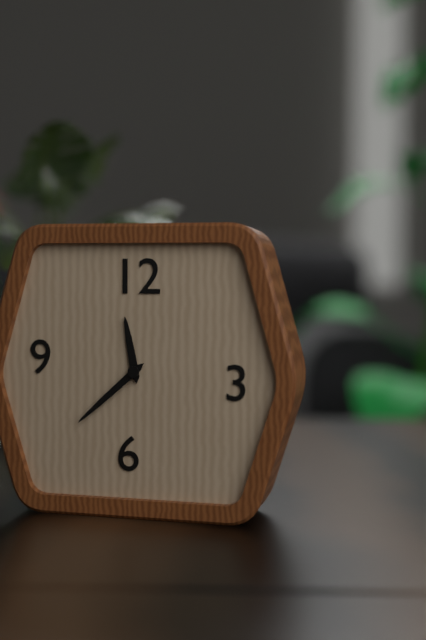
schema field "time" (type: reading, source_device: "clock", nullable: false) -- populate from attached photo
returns 11:38
